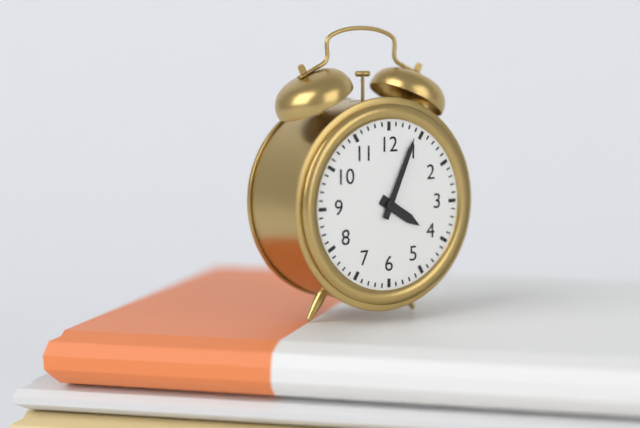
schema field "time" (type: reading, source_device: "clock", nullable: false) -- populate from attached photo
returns 4:04
